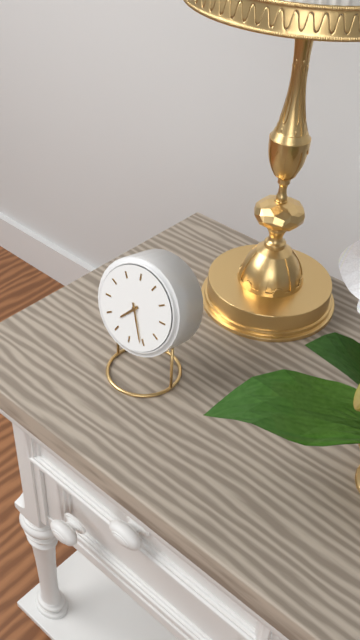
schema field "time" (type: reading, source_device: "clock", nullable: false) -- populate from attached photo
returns 7:26
